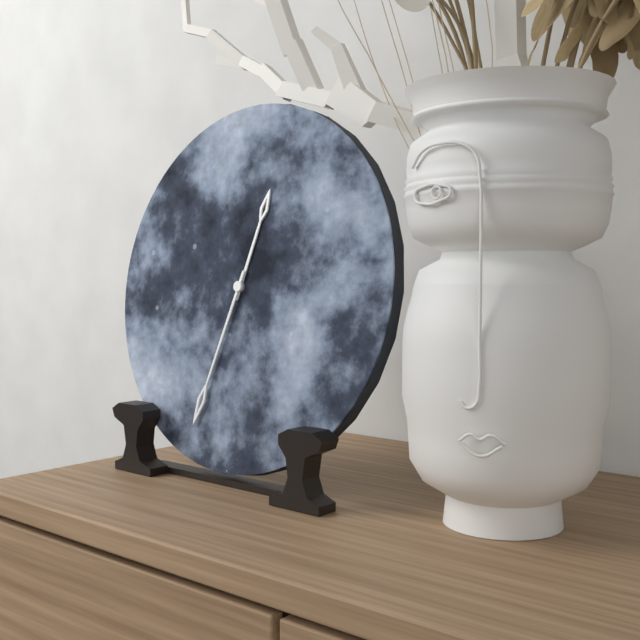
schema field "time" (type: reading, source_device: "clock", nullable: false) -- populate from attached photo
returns 12:33
